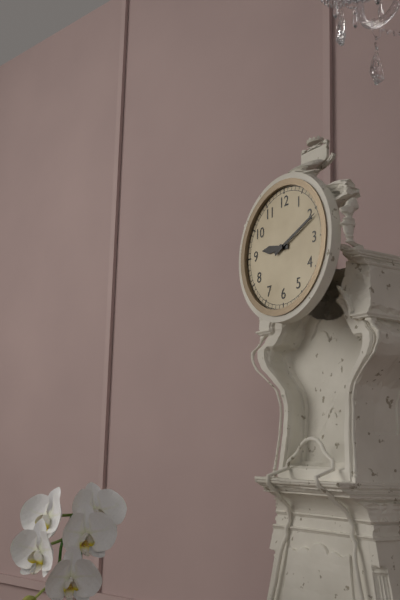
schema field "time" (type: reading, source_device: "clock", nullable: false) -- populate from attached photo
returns 9:11
